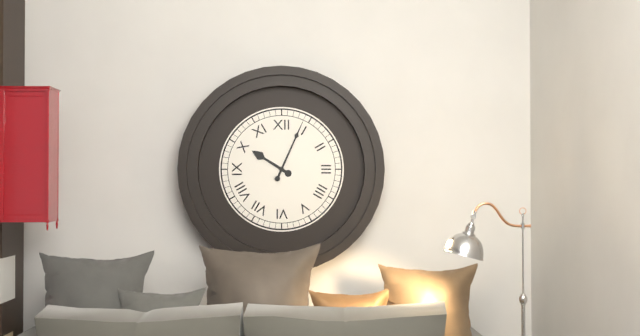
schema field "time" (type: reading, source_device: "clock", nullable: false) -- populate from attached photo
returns 10:04
